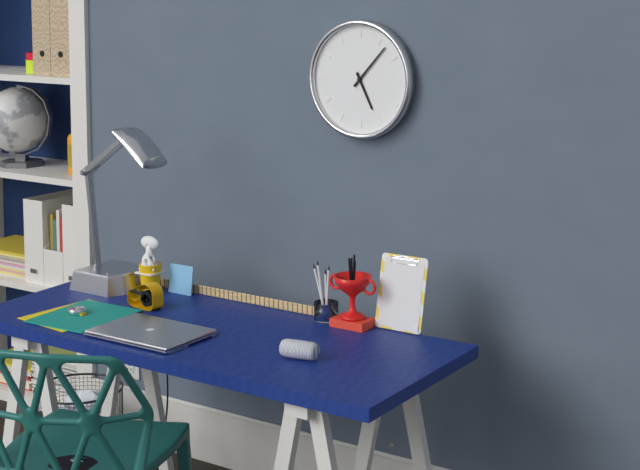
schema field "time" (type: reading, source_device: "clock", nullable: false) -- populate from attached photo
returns 5:07
